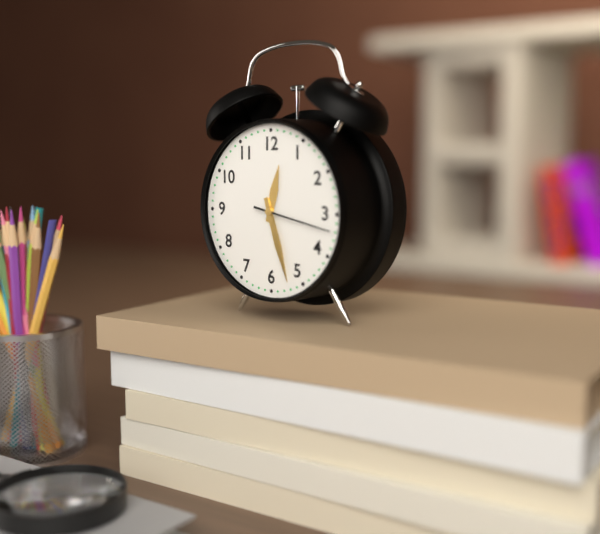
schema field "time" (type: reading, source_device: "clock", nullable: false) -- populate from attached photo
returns 12:27:17
